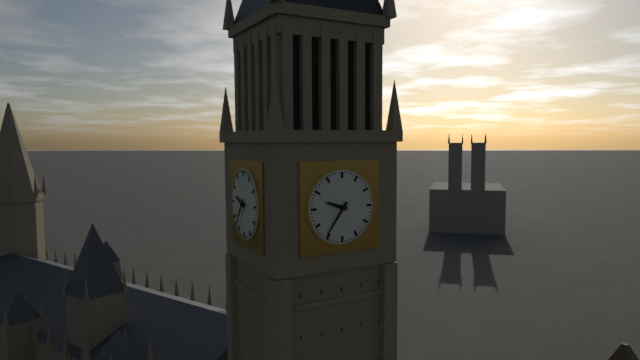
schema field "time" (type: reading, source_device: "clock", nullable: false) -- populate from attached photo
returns 9:36
